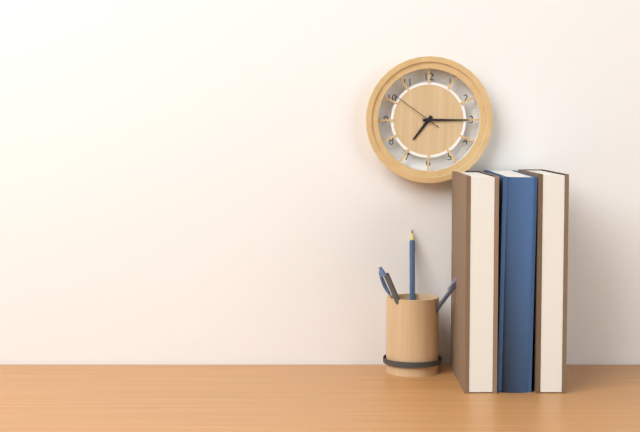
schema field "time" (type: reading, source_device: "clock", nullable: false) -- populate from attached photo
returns 7:15:51
